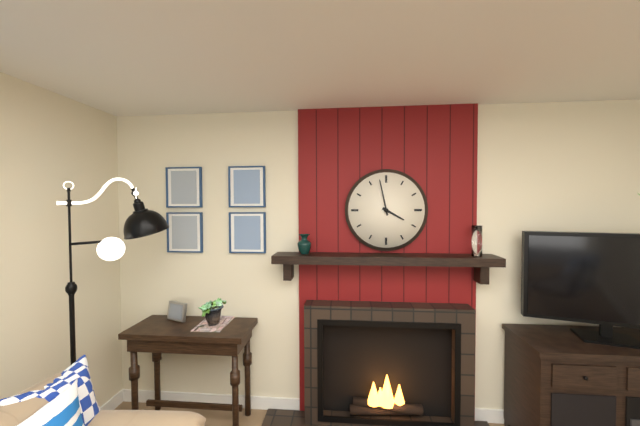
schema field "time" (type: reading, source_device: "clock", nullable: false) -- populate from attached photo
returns 3:58
